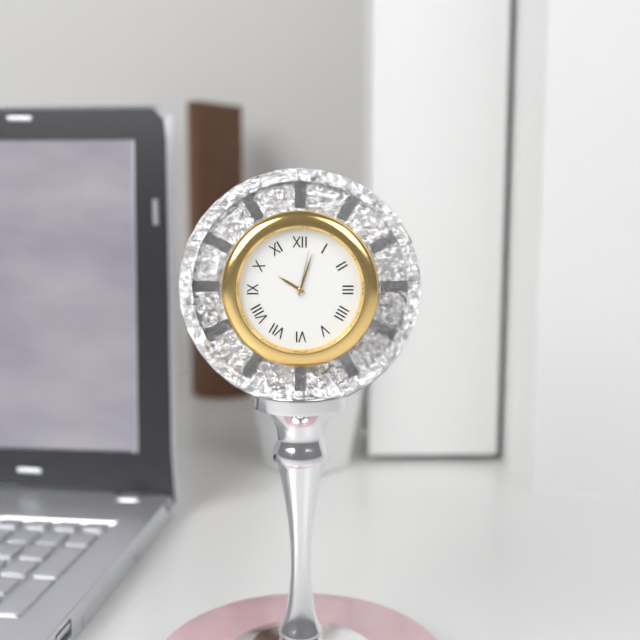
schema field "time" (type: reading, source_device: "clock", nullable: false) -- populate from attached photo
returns 10:03:02
